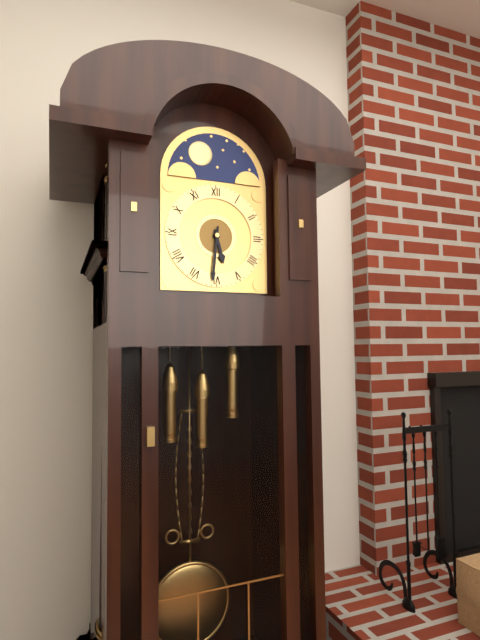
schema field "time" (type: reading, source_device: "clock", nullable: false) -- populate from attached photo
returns 5:31
